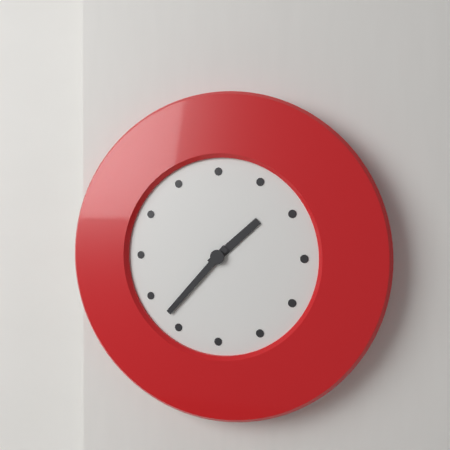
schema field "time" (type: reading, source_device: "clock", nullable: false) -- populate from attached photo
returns 1:37
